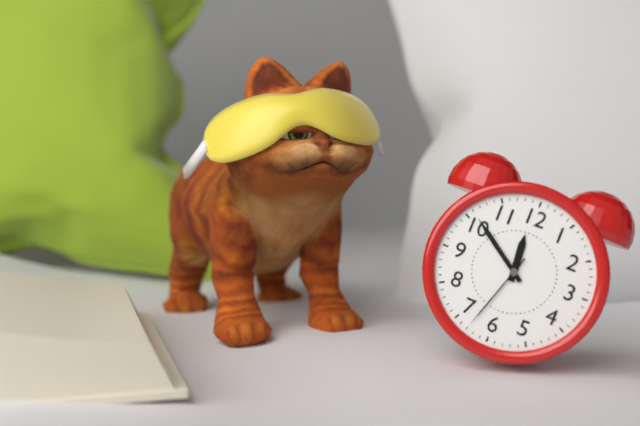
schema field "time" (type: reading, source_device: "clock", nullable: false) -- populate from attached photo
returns 11:51:33
